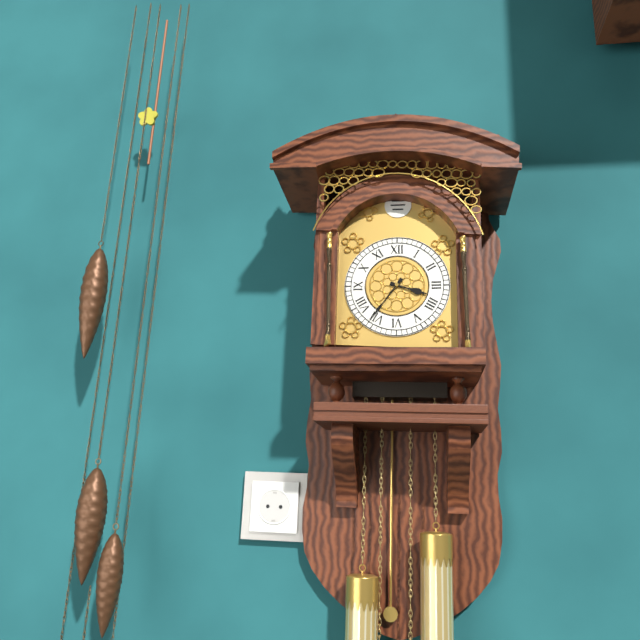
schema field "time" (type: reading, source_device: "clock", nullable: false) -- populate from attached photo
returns 3:36
